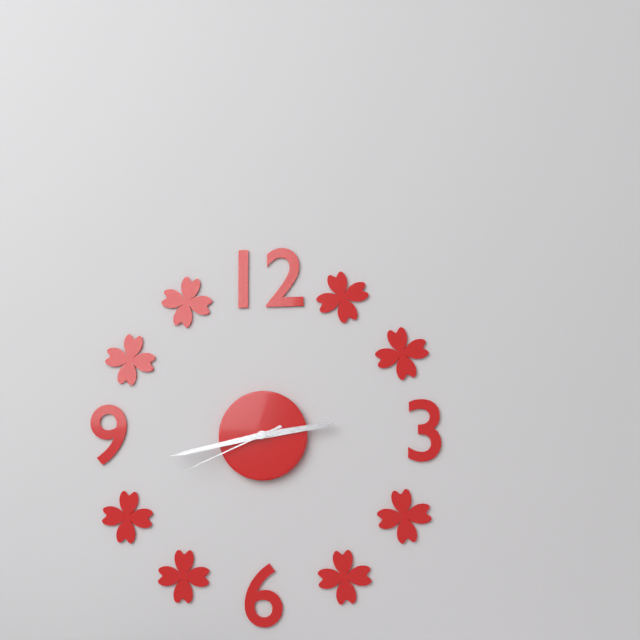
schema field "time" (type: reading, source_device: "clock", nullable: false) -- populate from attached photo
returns 2:43:41
